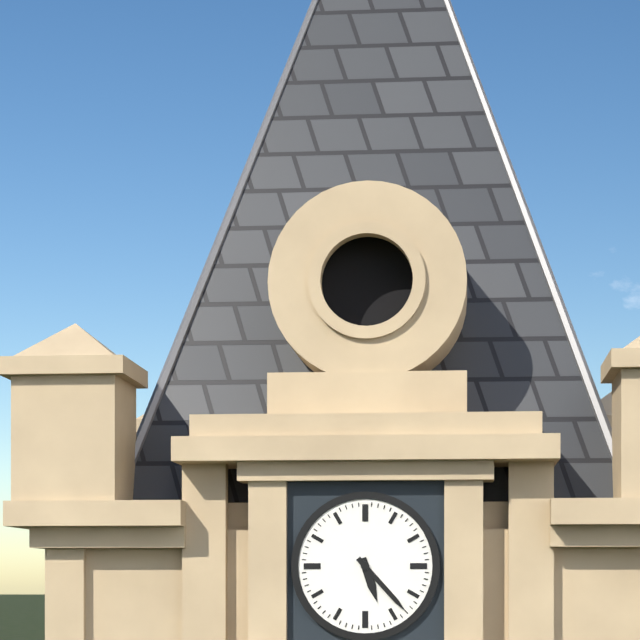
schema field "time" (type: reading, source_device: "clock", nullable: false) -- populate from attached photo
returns 5:23
